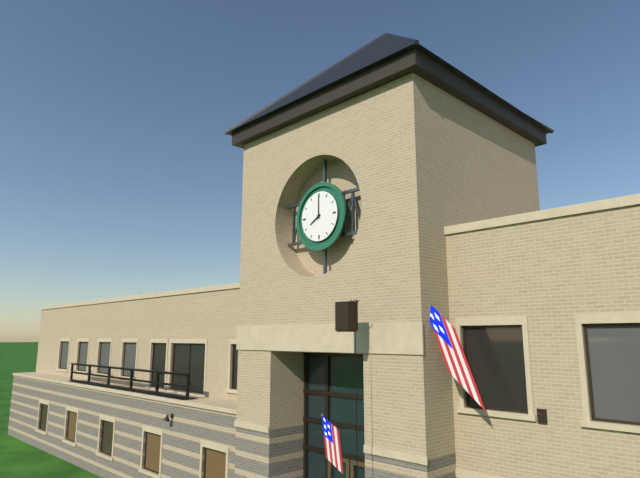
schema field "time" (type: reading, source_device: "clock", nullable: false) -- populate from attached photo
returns 8:00
